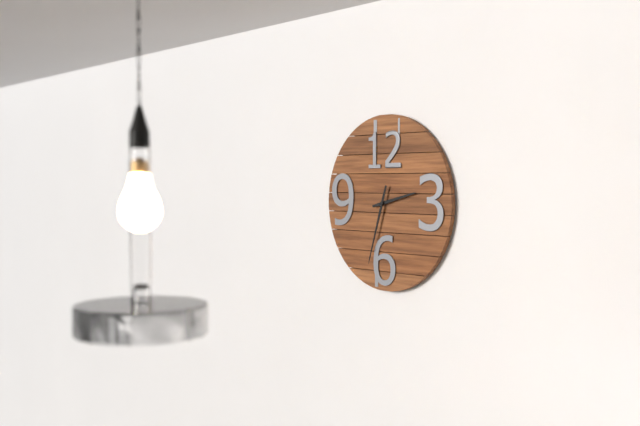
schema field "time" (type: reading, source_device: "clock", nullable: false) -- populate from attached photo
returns 2:33
